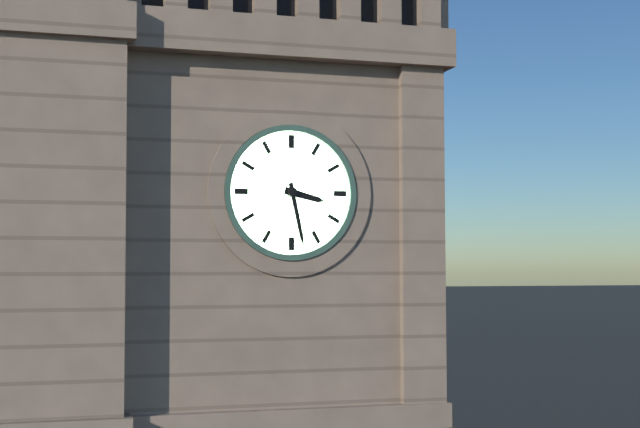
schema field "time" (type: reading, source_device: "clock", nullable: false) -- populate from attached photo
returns 3:28
